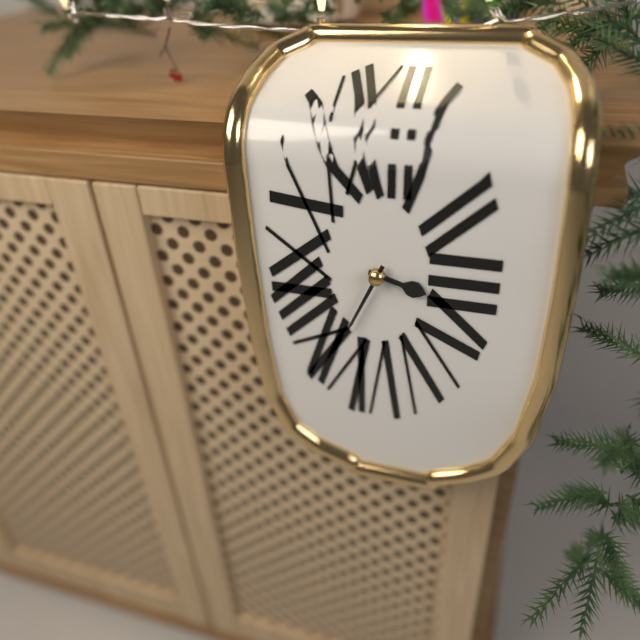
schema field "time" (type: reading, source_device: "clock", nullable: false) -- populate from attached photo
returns 3:34
